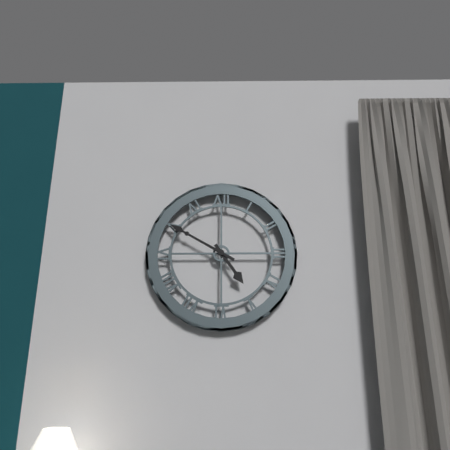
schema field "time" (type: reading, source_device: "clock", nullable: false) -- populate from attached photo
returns 4:50
